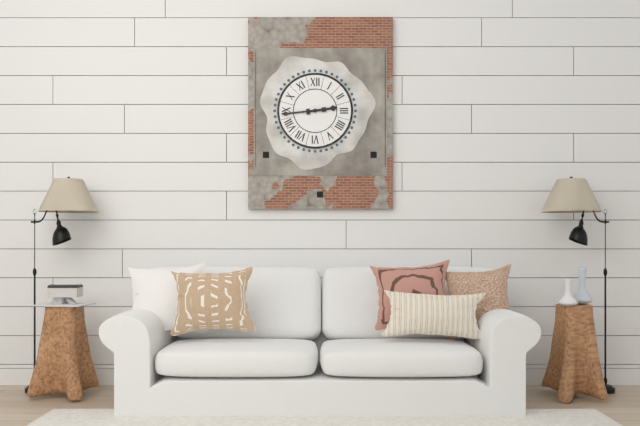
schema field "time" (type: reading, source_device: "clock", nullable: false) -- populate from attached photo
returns 2:44
